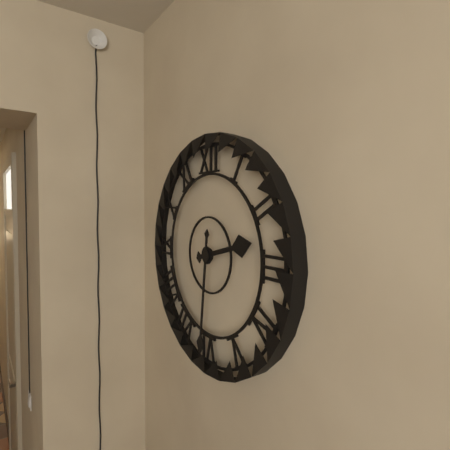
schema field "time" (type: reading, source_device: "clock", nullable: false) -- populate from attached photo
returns 2:31
